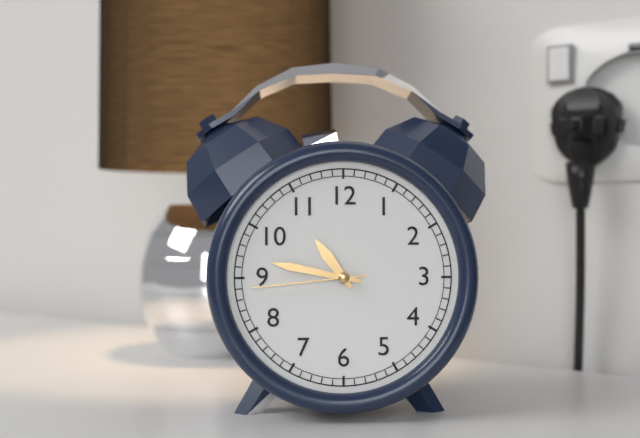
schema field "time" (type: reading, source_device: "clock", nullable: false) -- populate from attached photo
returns 10:47:44
